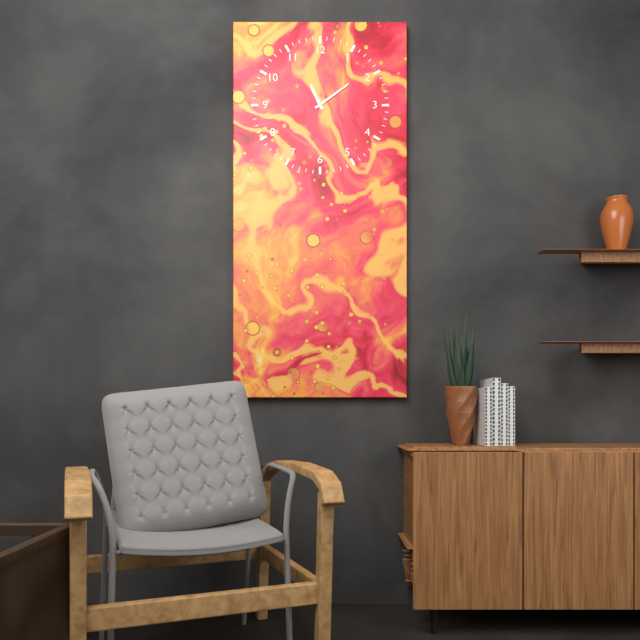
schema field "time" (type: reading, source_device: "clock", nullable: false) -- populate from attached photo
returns 11:09
